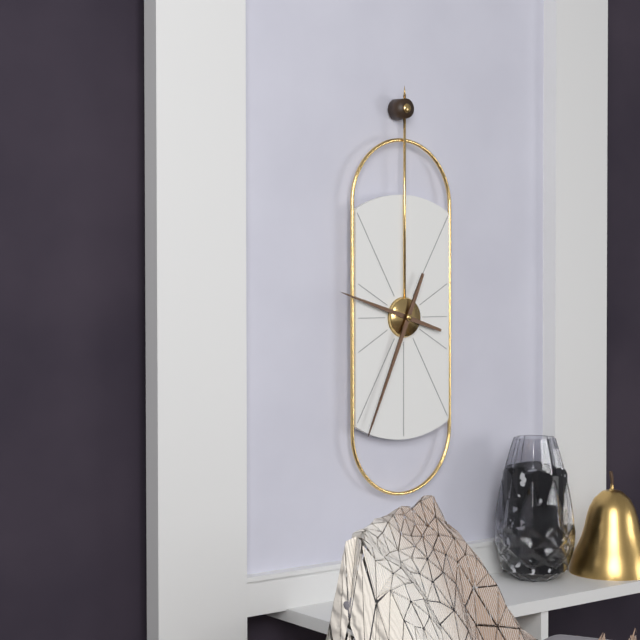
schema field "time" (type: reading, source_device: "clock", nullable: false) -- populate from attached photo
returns 9:34
